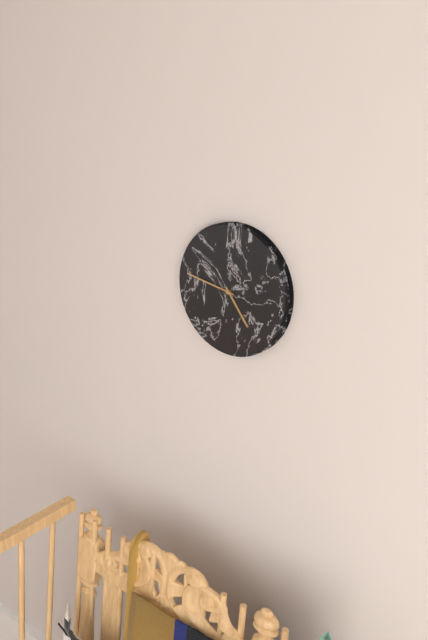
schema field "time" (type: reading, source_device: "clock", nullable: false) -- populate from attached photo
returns 4:47
